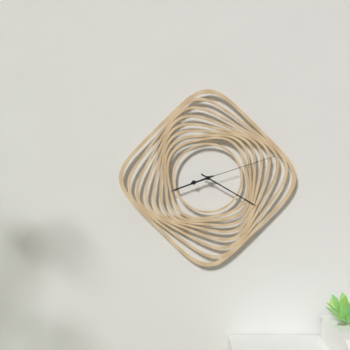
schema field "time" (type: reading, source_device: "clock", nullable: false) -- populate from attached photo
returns 8:20:12
